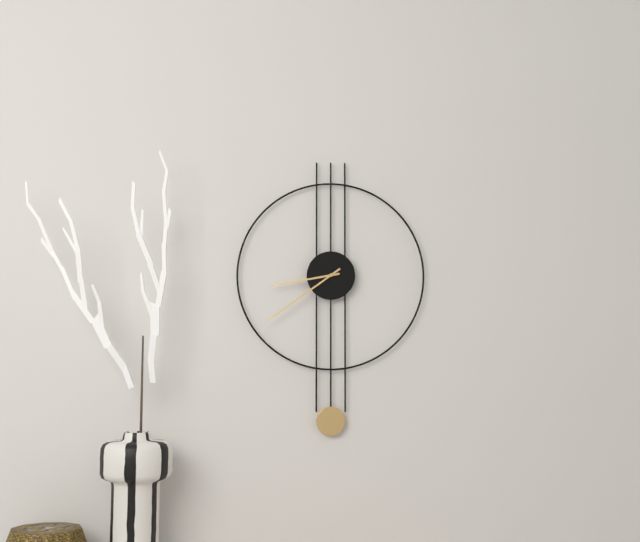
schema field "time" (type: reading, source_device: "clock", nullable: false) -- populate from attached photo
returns 8:39
